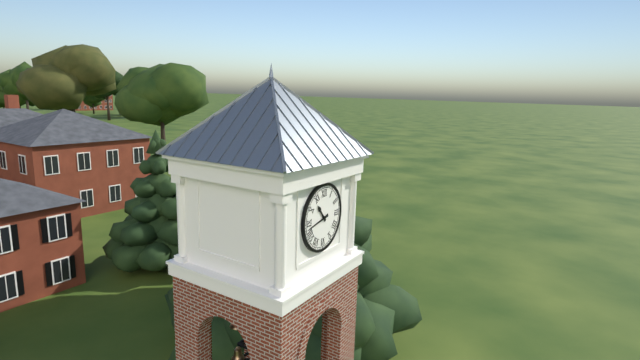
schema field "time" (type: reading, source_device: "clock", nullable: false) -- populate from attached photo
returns 10:43
